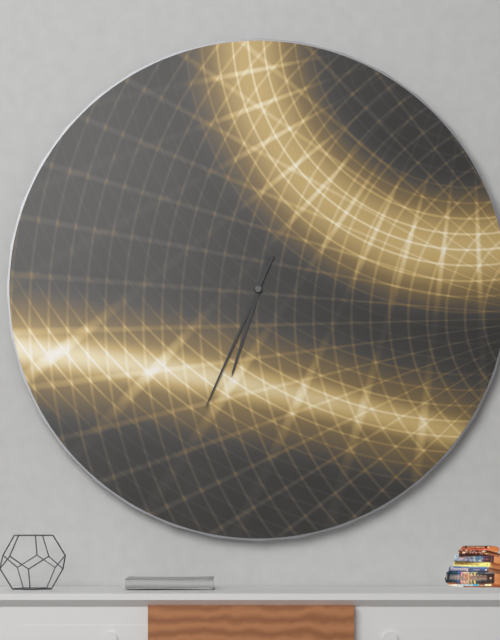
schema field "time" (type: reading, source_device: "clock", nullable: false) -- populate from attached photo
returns 6:34
